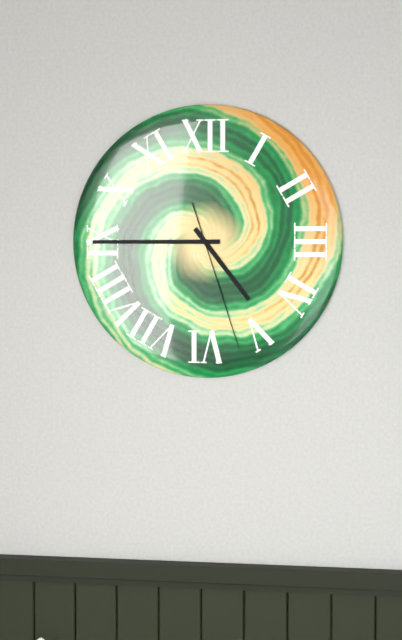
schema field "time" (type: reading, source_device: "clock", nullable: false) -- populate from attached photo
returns 4:45:27
